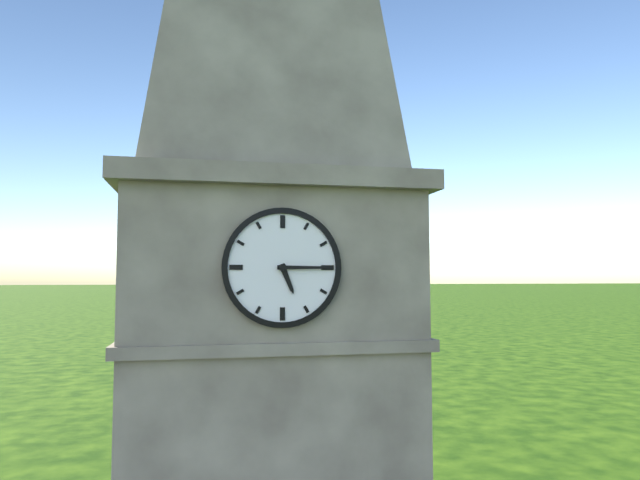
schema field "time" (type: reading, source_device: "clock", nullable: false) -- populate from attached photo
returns 5:15
